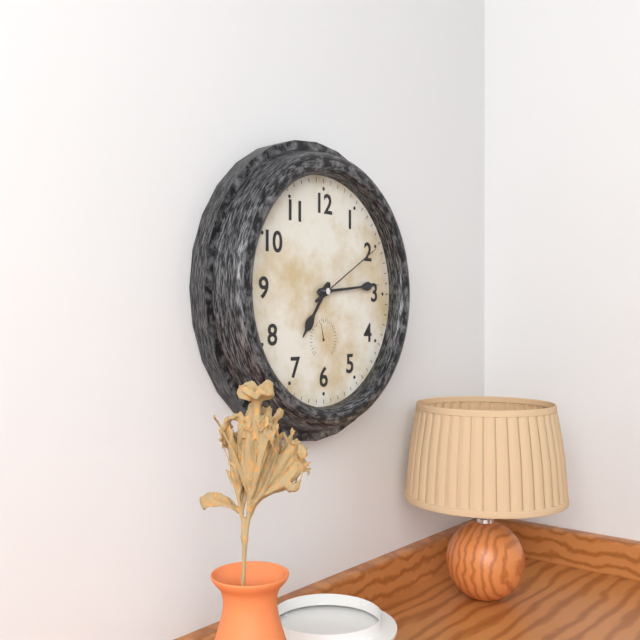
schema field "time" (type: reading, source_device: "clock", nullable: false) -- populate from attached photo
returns 7:14:10
